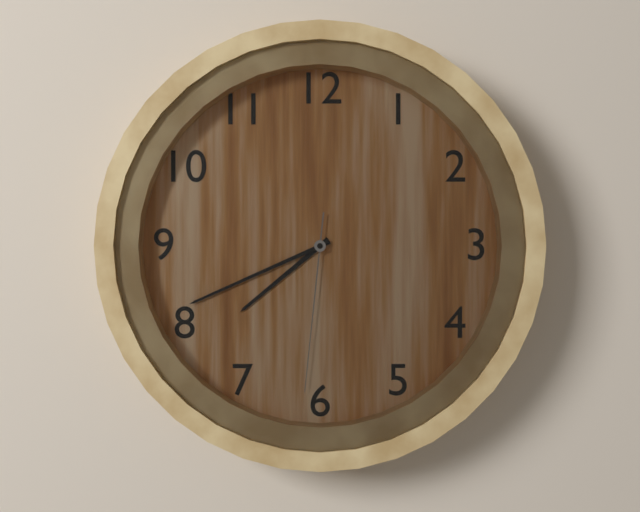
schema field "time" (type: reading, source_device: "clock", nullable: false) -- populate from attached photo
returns 7:41:31
